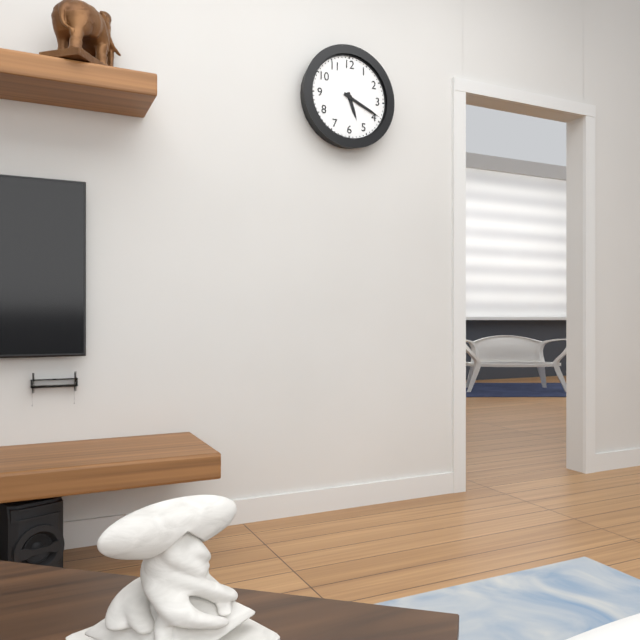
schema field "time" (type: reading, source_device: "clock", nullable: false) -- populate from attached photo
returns 5:19
